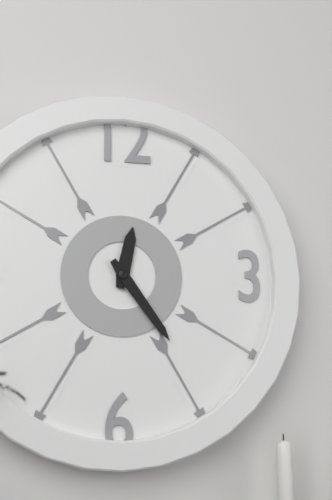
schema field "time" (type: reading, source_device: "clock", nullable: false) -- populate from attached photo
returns 12:24
